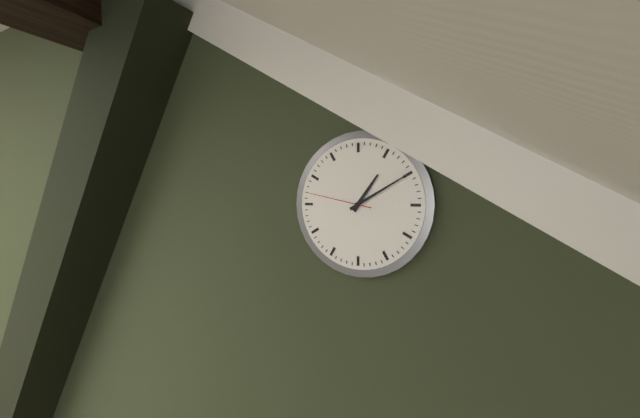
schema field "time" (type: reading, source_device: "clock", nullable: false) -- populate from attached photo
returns 1:10:47
